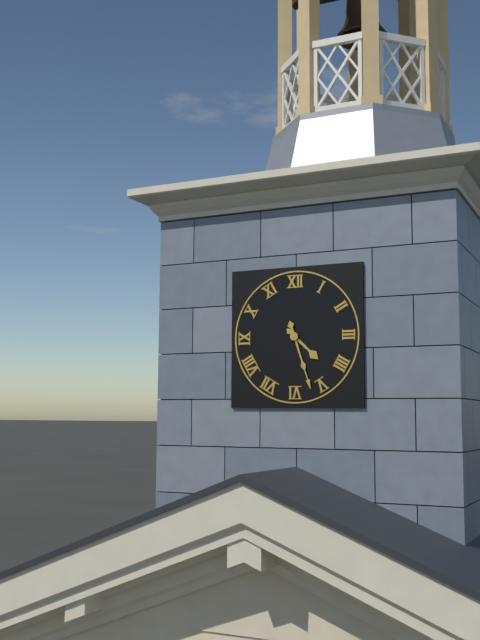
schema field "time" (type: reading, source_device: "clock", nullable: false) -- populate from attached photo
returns 4:27
